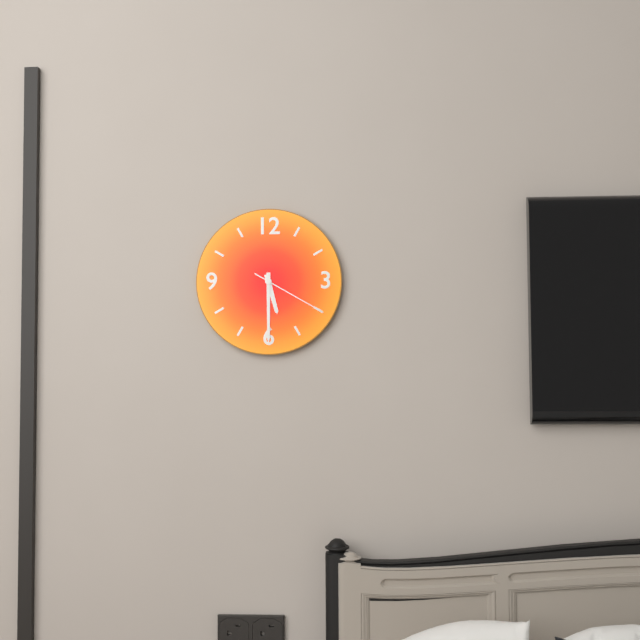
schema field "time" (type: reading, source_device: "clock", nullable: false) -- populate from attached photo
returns 5:30:20
